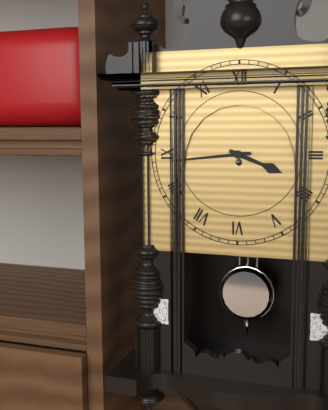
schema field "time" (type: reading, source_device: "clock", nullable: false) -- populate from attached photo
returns 3:44
